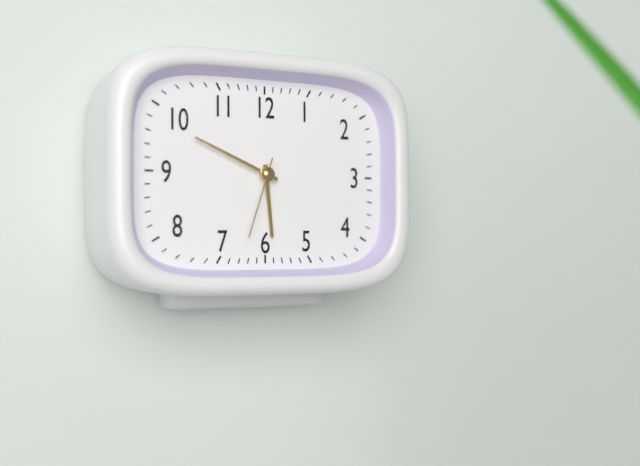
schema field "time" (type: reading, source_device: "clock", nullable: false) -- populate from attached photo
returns 5:49:33
